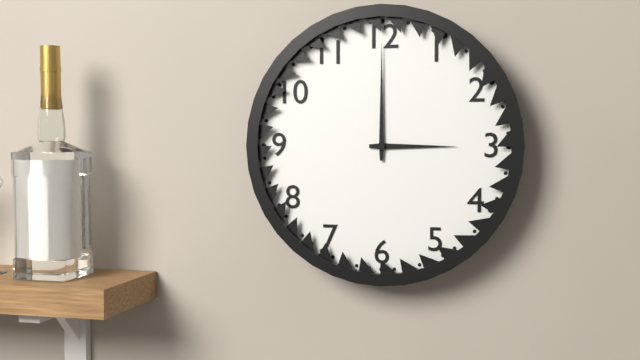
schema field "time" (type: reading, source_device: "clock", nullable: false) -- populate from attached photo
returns 3:00
